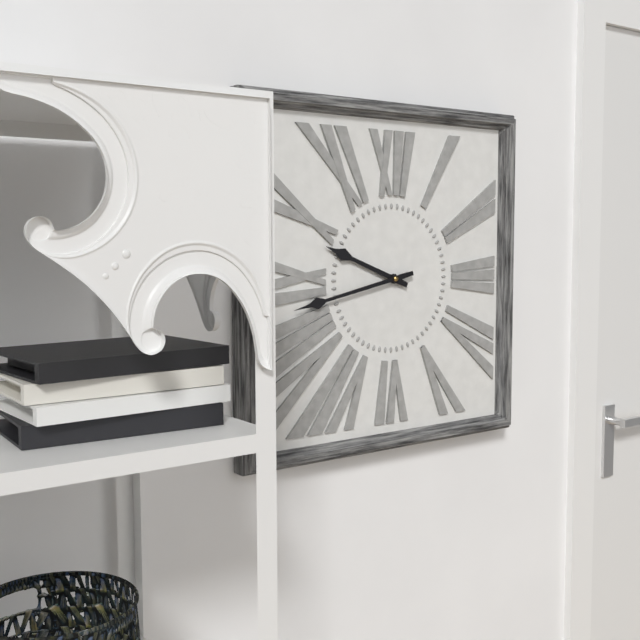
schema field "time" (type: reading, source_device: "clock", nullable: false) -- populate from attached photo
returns 9:43
